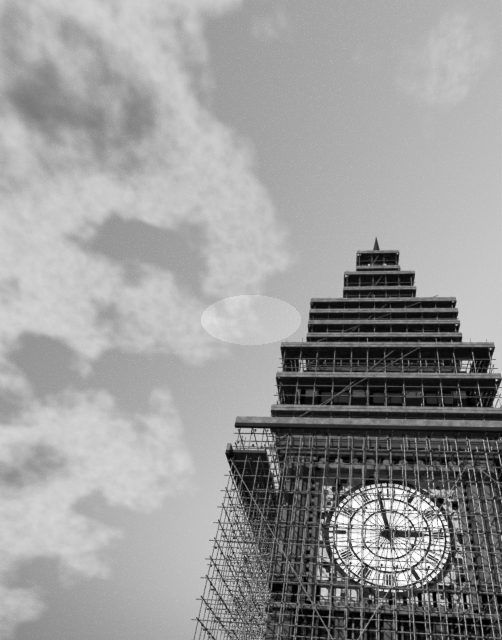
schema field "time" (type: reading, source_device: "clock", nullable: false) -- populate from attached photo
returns 2:58
